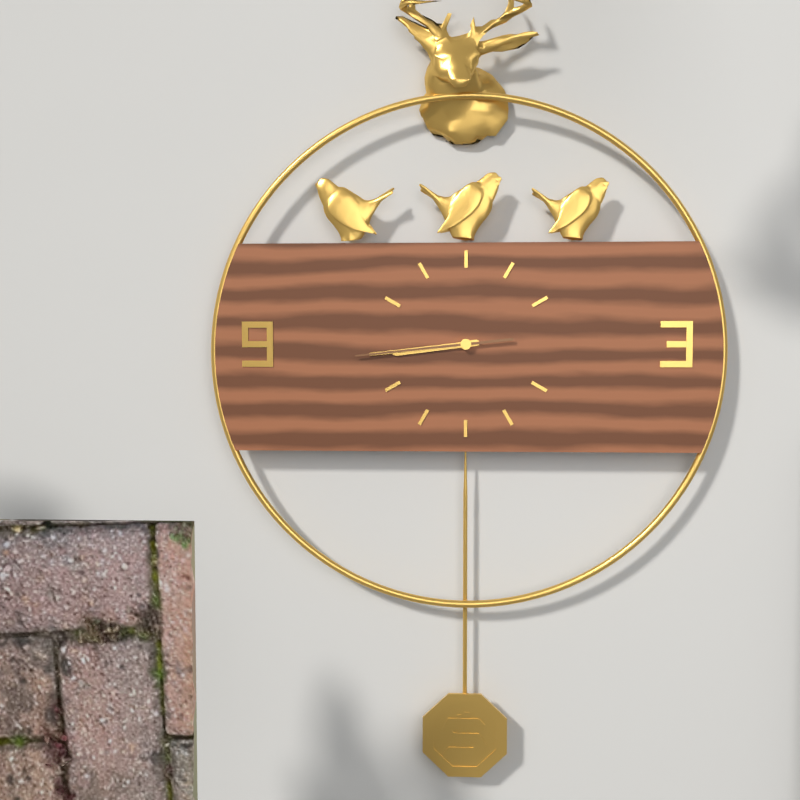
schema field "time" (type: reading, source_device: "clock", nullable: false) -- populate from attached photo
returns 8:44:44
